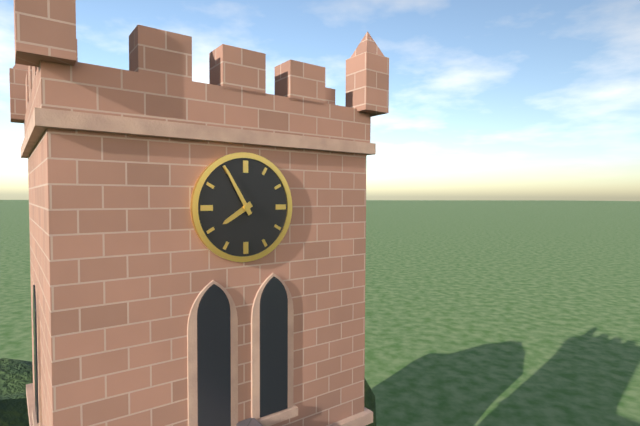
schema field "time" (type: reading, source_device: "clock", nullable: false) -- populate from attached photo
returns 7:55
